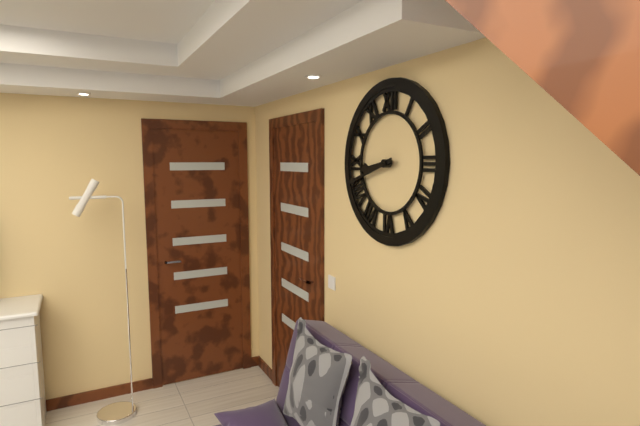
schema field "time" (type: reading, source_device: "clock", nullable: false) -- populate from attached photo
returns 8:42
